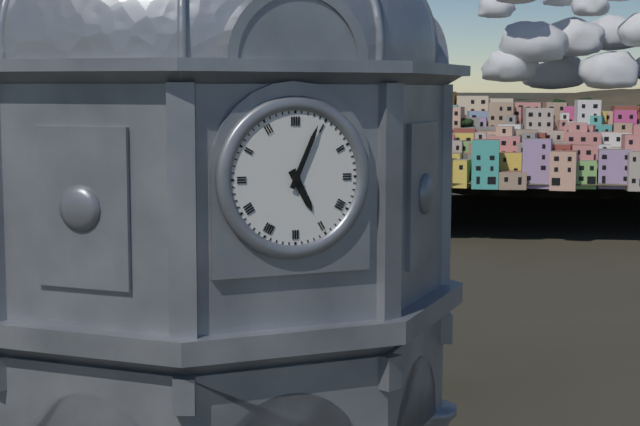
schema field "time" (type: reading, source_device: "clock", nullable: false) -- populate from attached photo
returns 5:04
